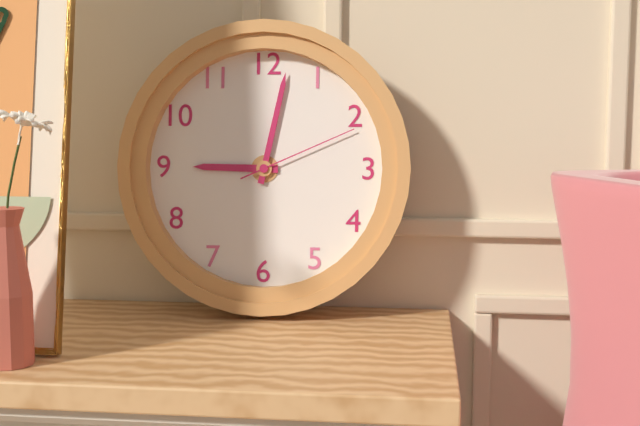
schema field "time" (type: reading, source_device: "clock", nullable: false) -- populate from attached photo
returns 9:02:11
